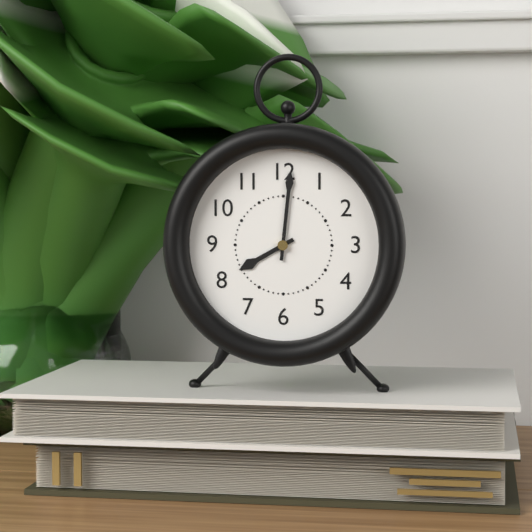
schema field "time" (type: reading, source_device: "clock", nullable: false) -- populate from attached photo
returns 8:01
